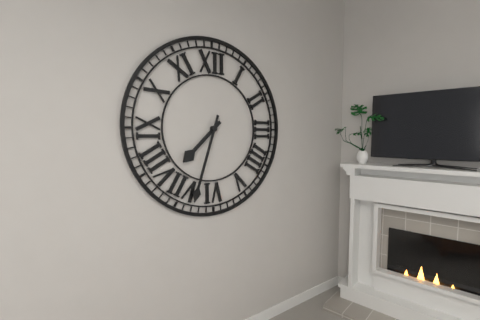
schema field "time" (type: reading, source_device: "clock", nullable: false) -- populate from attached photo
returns 7:33
